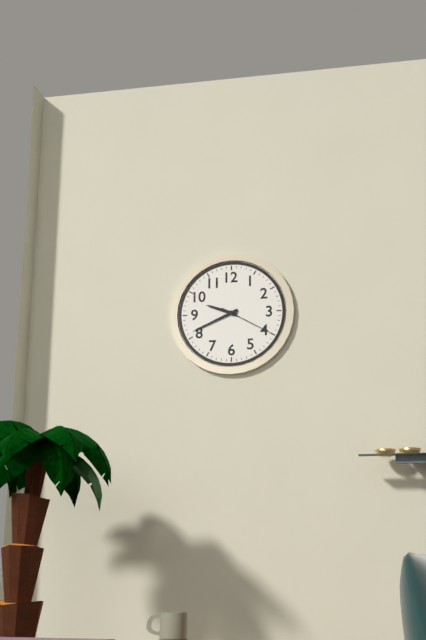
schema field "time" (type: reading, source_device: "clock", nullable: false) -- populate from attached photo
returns 9:41:20
